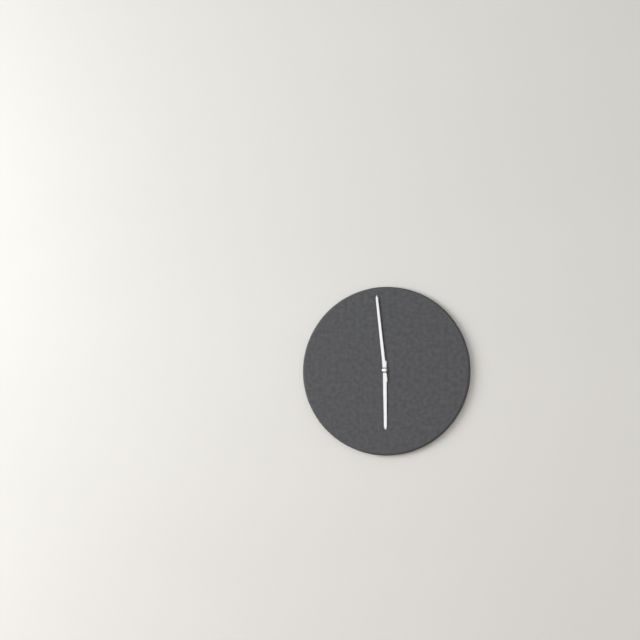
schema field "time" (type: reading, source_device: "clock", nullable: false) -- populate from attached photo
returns 5:59
